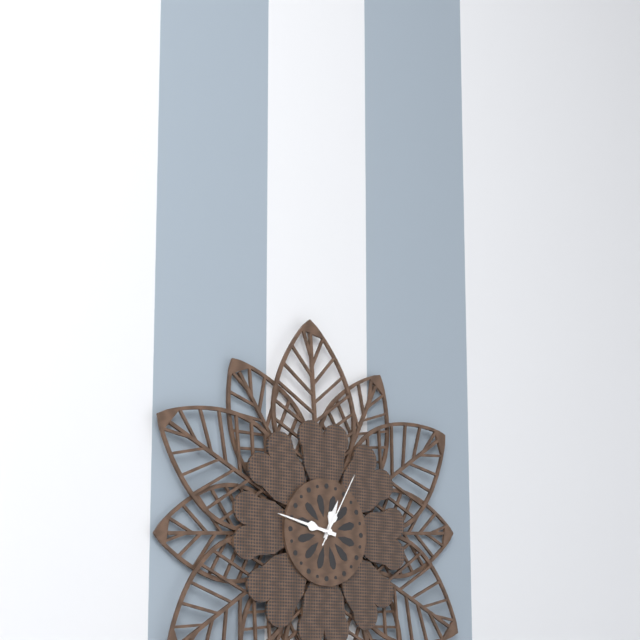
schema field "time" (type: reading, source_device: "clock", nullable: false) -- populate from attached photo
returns 12:47:05
